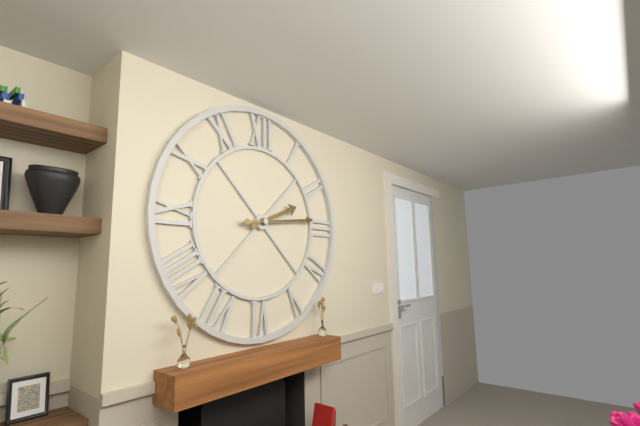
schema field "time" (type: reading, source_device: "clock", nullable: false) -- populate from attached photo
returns 2:14
